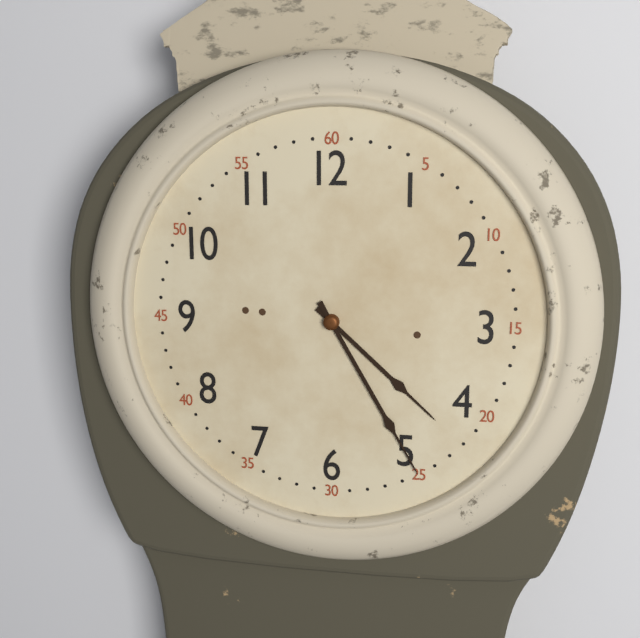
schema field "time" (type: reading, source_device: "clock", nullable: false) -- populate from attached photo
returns 4:25
